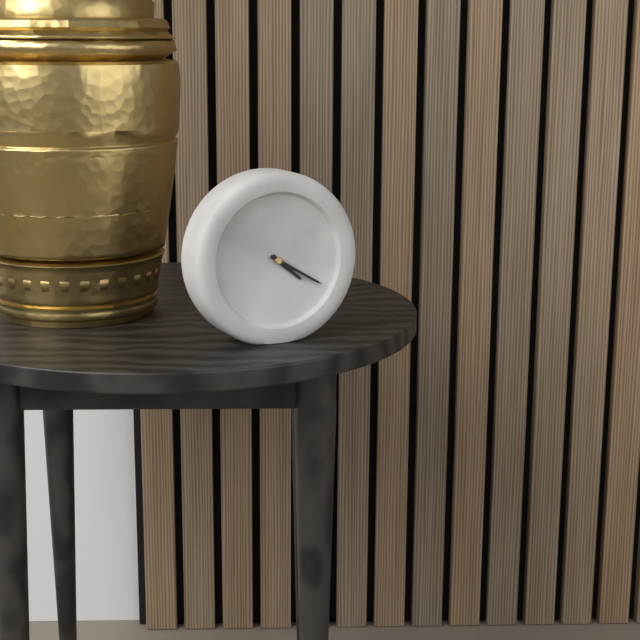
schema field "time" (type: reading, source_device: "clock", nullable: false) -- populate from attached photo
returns 4:20
